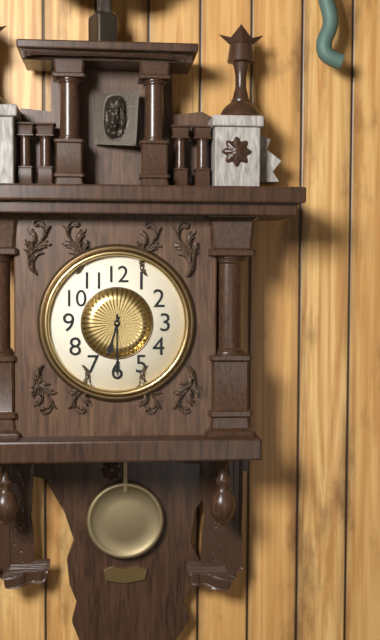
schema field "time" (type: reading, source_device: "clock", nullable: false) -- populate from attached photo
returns 6:30
